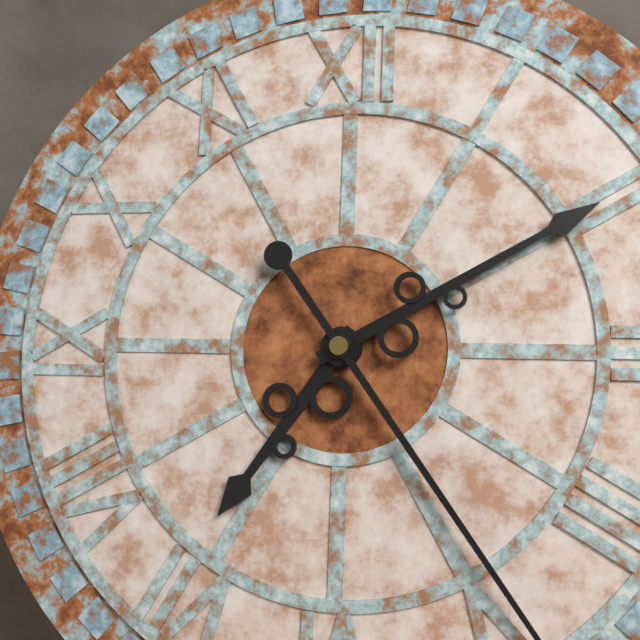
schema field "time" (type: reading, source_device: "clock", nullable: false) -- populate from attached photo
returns 7:10
